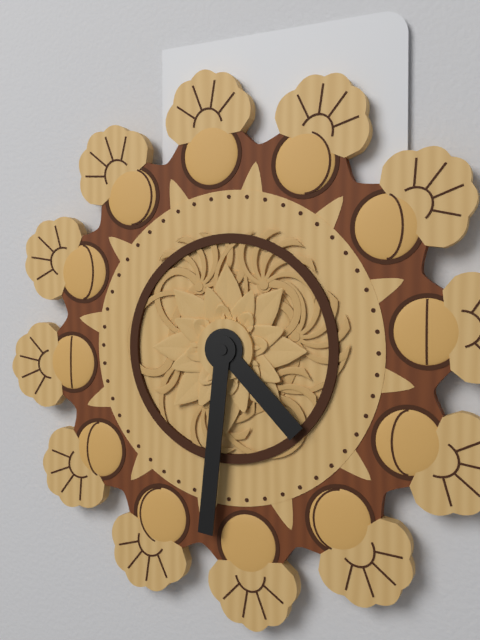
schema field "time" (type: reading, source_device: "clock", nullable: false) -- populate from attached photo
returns 4:31
